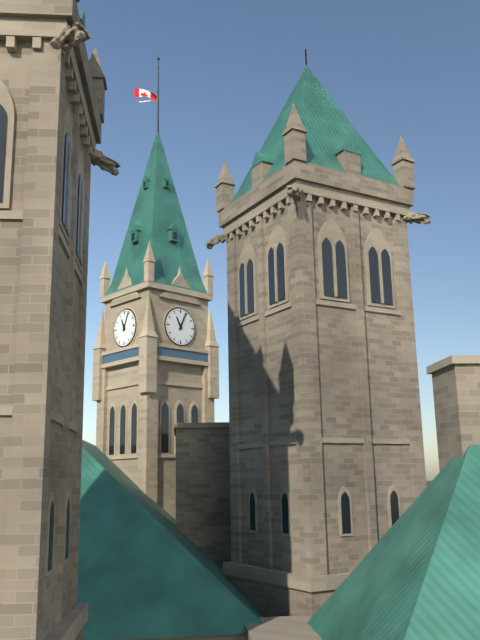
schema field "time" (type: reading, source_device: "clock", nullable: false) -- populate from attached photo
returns 11:04
